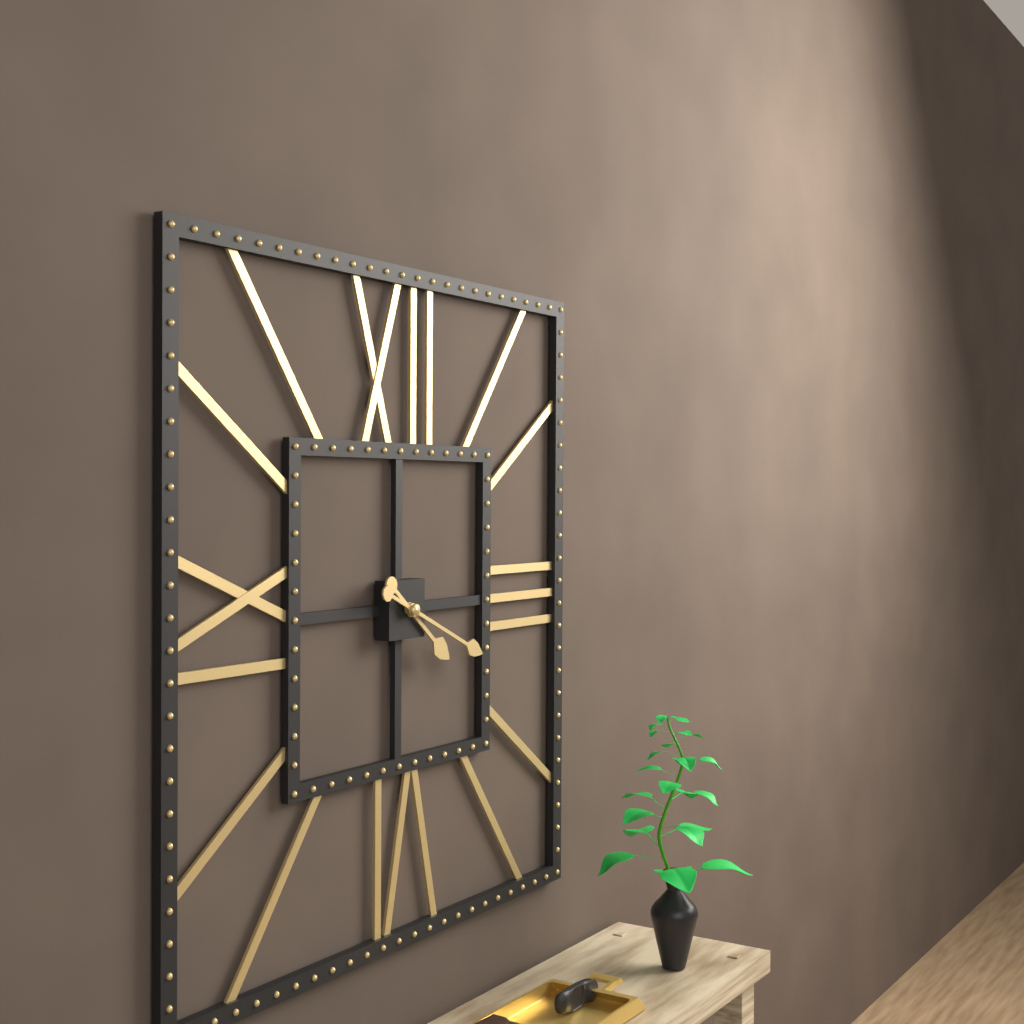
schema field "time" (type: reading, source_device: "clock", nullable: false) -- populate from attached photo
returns 4:19
